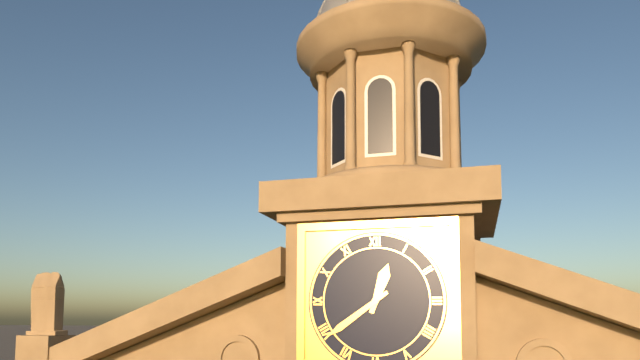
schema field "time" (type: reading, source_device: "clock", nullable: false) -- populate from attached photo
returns 12:39
